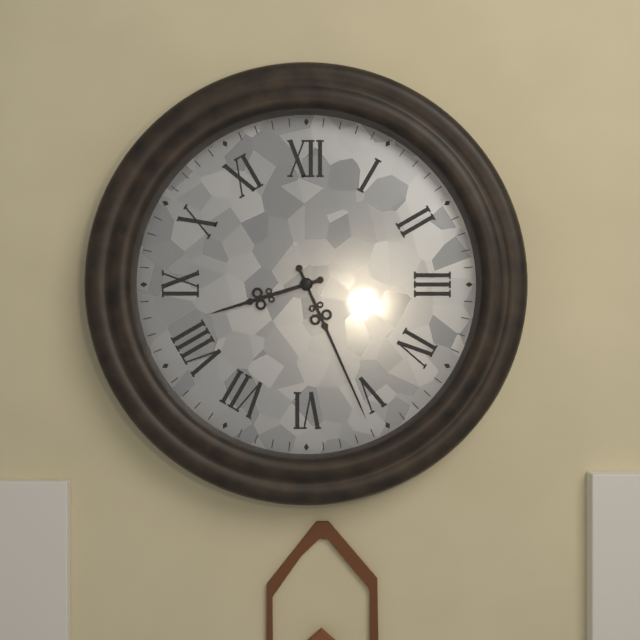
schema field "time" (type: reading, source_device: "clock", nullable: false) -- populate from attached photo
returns 8:26
